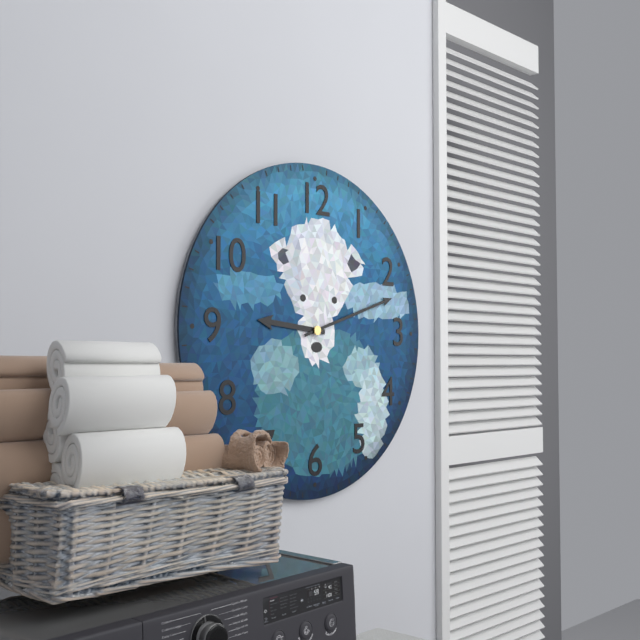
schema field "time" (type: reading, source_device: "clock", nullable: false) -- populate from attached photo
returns 9:12
